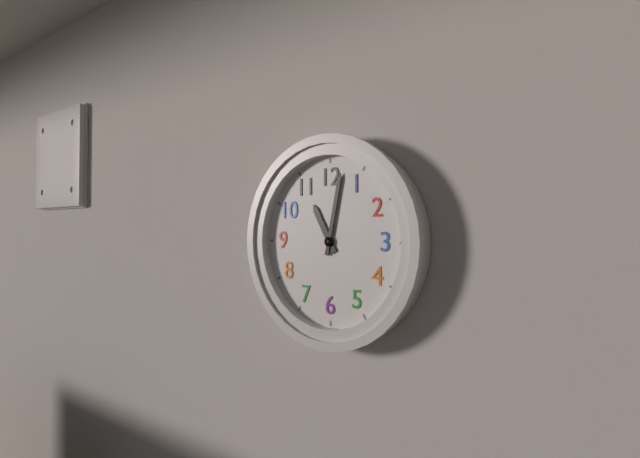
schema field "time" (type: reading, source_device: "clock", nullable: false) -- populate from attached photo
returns 11:02
